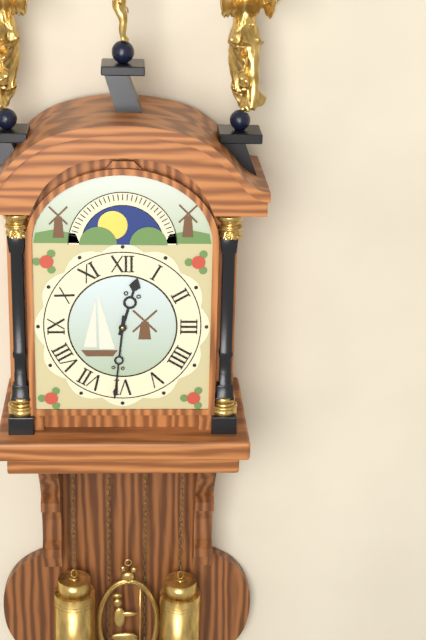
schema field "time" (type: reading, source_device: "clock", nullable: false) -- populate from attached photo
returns 12:31
